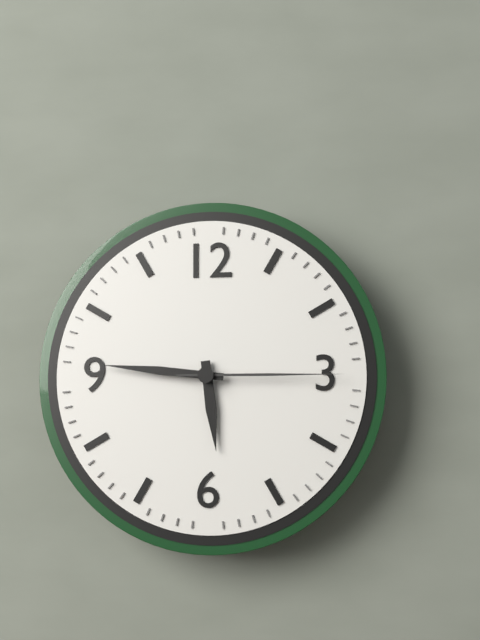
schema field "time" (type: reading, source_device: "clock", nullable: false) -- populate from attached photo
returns 5:46:15
